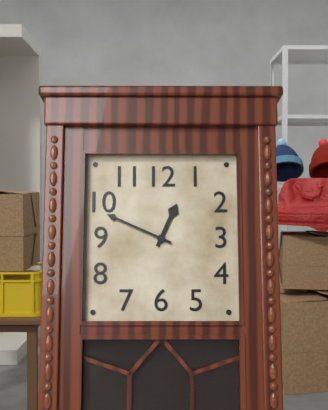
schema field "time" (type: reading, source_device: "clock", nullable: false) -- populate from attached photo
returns 12:49
